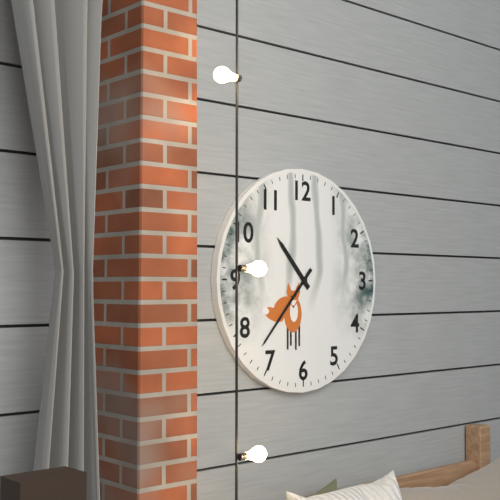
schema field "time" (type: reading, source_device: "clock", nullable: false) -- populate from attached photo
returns 10:37
